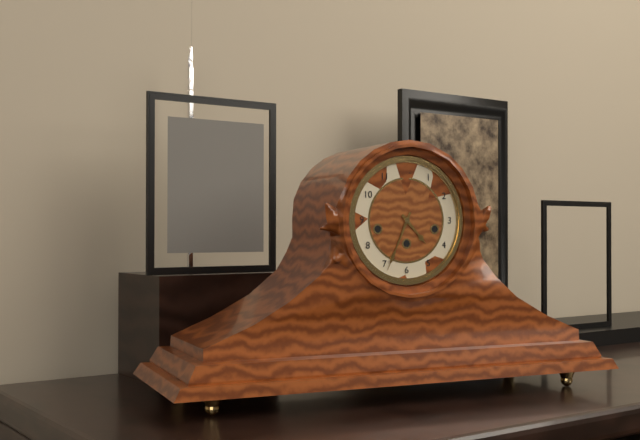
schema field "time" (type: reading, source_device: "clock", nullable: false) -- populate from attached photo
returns 4:34
